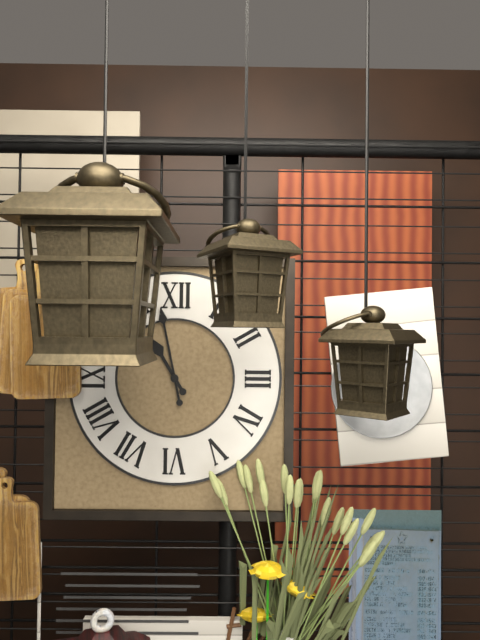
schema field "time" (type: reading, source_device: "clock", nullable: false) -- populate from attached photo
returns 10:58
